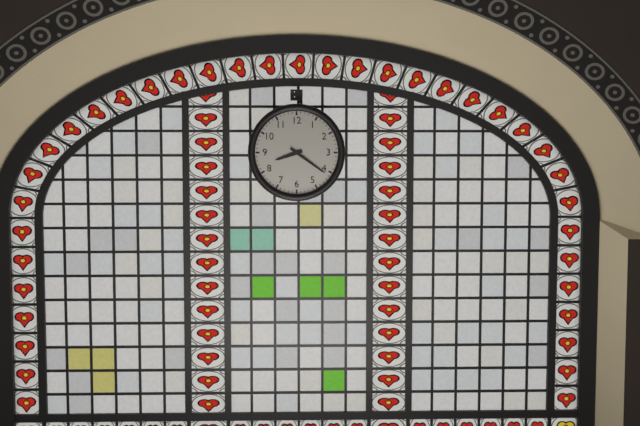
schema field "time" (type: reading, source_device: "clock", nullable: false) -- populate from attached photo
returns 8:21
